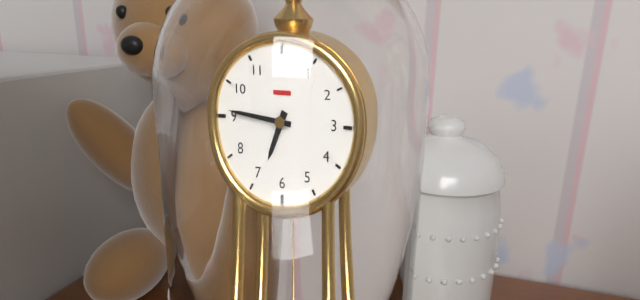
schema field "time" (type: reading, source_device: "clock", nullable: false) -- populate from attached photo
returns 6:46
